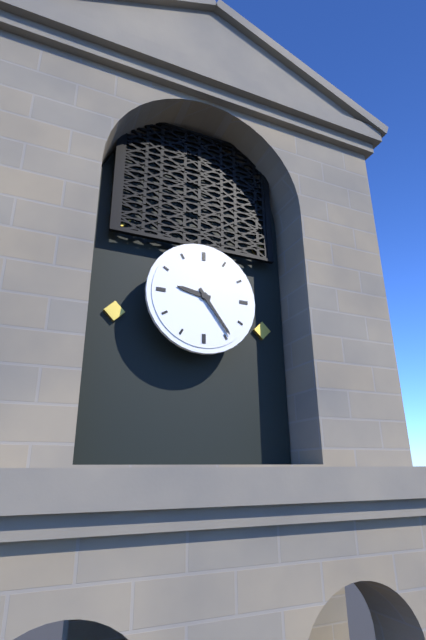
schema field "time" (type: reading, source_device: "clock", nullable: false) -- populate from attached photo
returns 9:24
